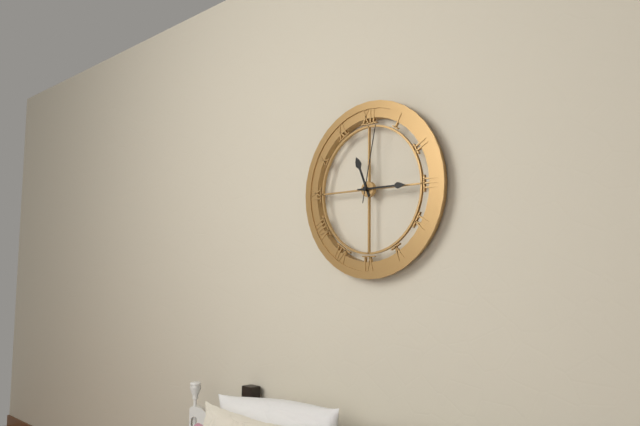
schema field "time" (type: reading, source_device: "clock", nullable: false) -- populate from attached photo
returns 11:15:02
